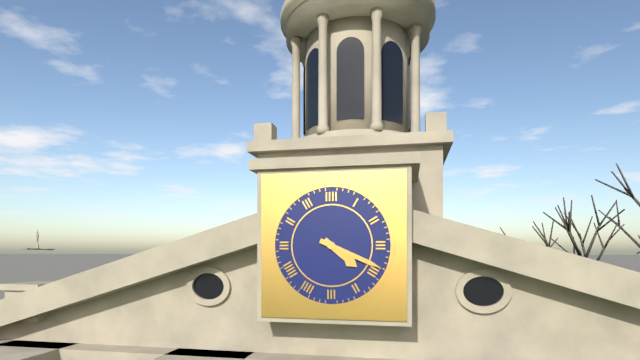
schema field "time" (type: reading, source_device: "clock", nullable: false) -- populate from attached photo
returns 4:19
